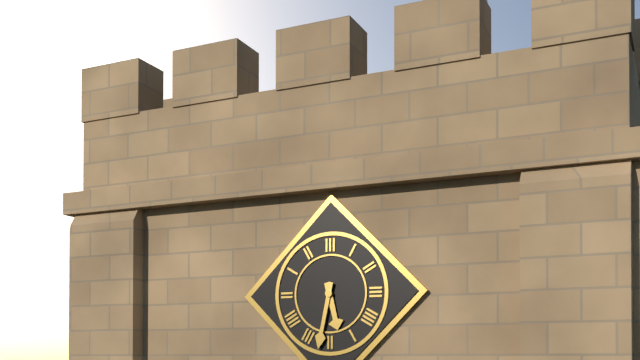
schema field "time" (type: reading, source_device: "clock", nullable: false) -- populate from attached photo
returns 5:32
